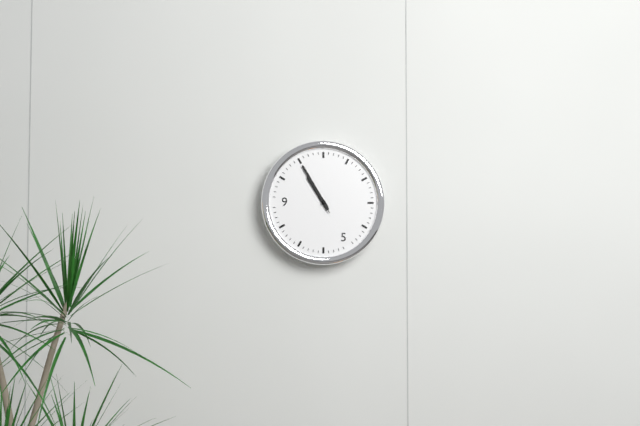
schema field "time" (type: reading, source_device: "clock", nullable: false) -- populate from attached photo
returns 10:55:55
